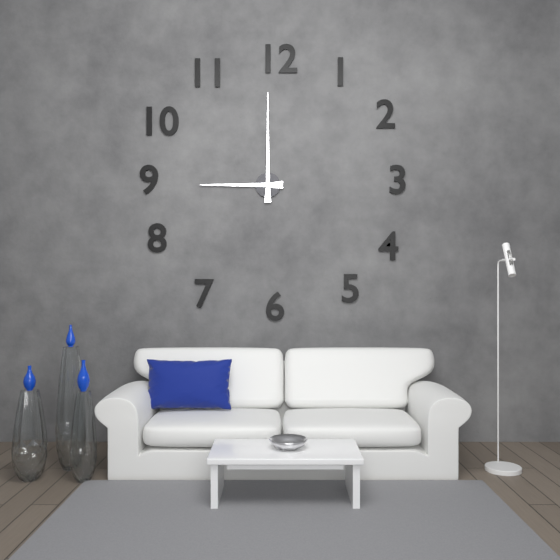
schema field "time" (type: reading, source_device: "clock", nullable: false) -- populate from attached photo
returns 9:00
